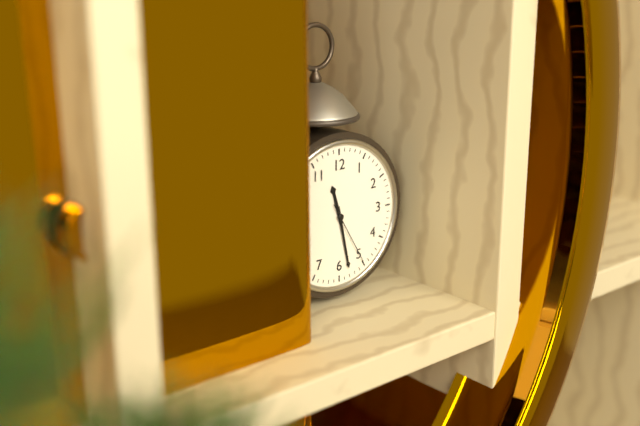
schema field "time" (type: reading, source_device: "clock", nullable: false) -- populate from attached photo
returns 11:28:25
